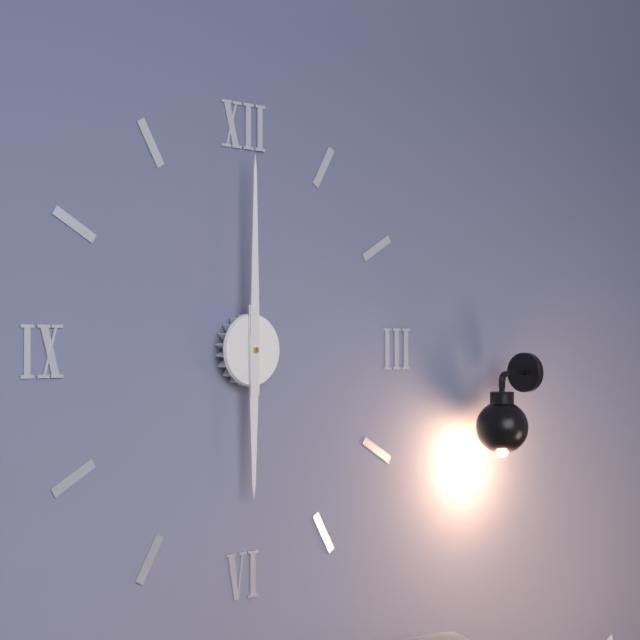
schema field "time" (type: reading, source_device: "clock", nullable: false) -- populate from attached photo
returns 6:00
